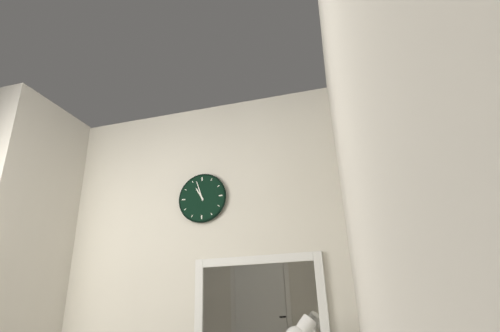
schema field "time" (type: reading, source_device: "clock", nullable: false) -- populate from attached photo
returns 10:57
